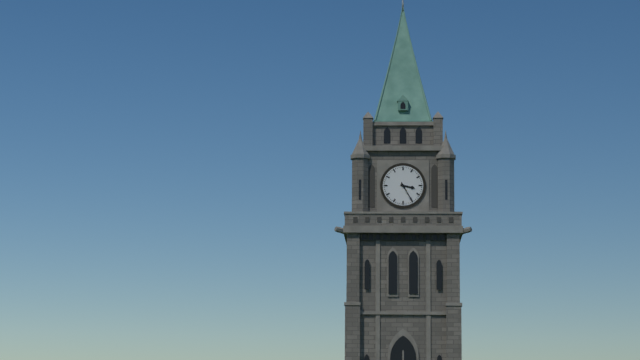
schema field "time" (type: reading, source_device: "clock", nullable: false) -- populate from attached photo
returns 3:25
